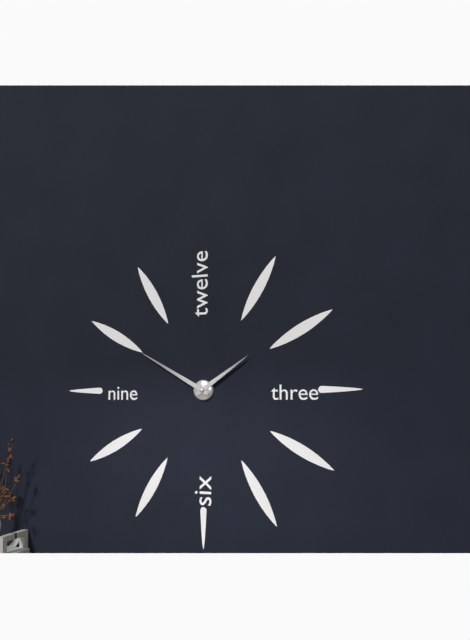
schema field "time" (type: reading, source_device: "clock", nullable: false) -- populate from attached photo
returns 1:50
